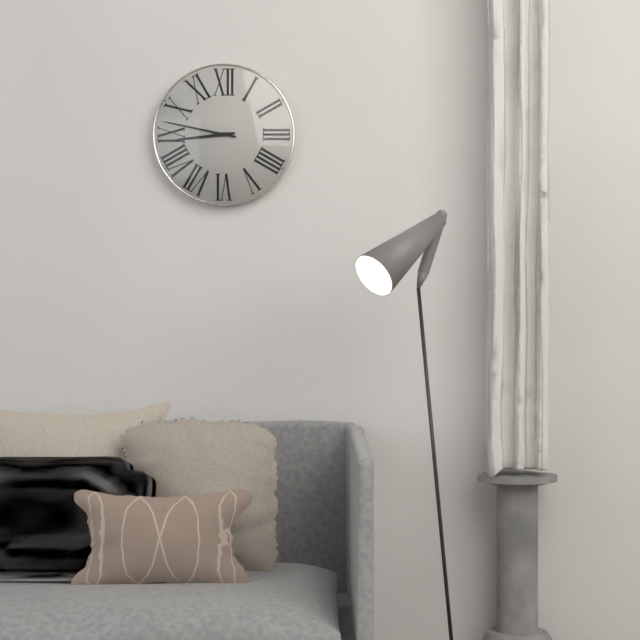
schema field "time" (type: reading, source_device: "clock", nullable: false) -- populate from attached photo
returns 8:47
